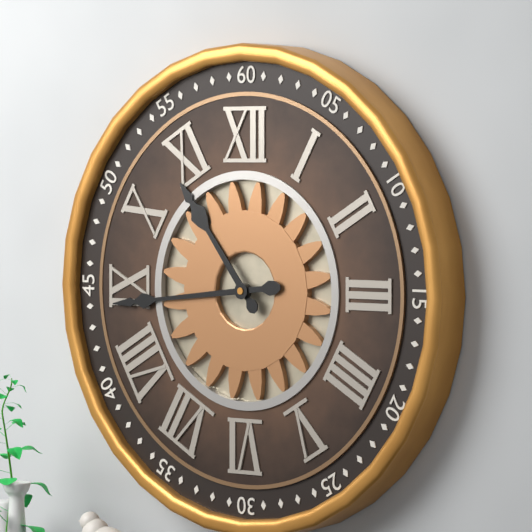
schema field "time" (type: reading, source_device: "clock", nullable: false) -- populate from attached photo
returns 10:44
